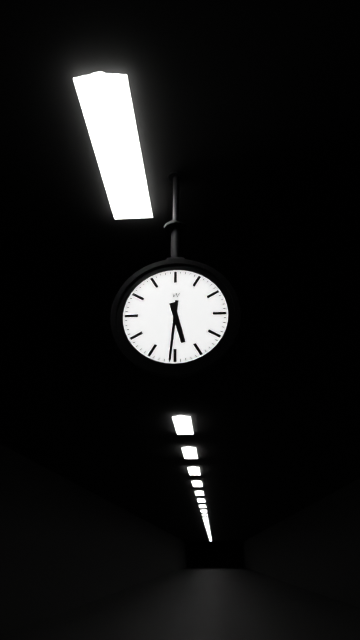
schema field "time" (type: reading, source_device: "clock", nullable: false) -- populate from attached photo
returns 5:31
